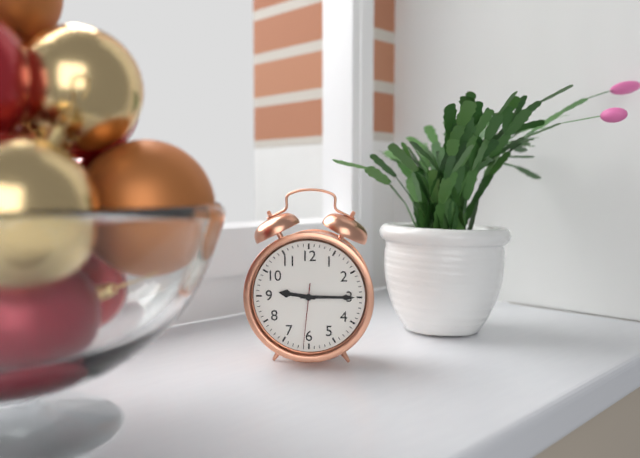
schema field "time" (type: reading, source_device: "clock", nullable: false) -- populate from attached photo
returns 9:15:31
